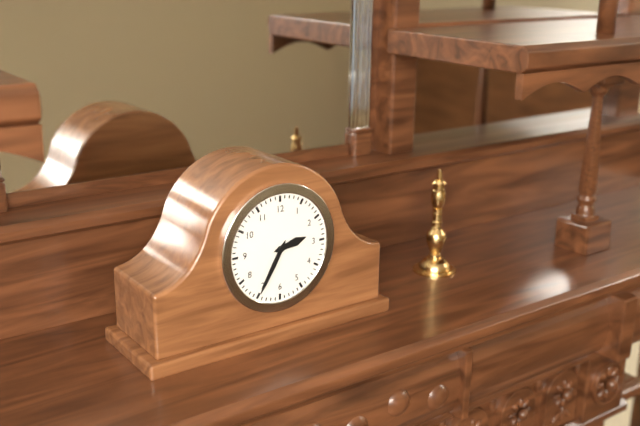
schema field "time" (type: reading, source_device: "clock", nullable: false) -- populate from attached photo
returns 2:35
